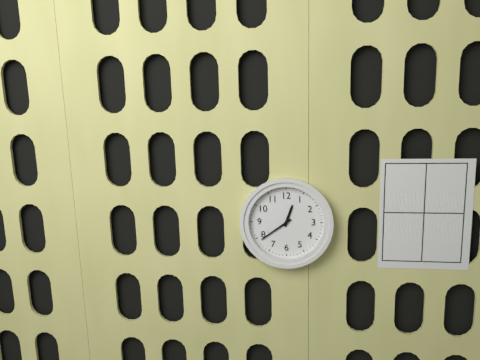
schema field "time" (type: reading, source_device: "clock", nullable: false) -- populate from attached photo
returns 12:39
